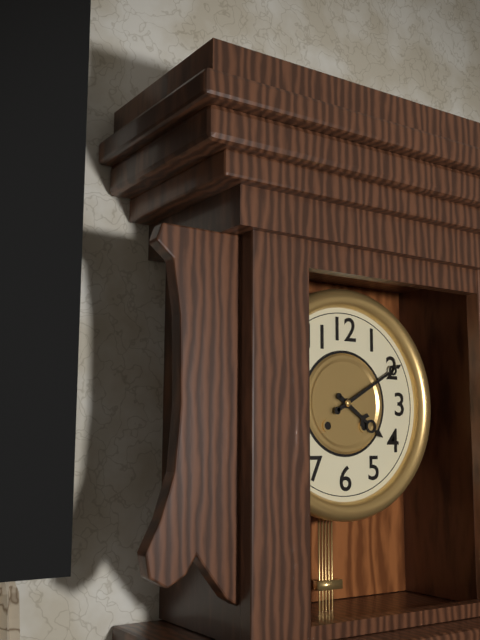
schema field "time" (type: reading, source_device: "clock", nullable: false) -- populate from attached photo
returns 4:10
